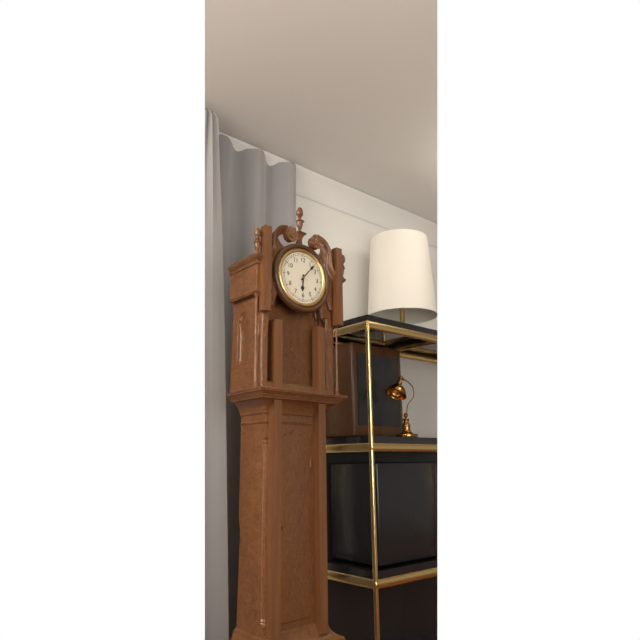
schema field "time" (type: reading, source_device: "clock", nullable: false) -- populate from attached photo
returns 6:07
